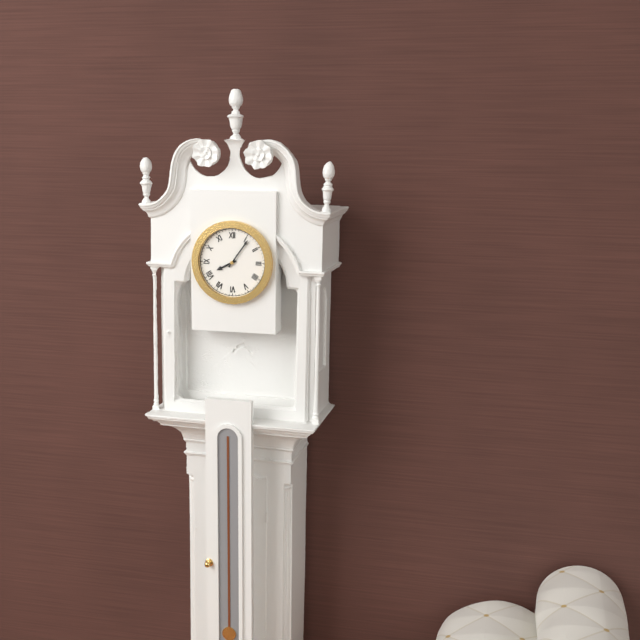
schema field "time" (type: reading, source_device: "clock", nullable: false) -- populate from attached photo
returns 8:06
